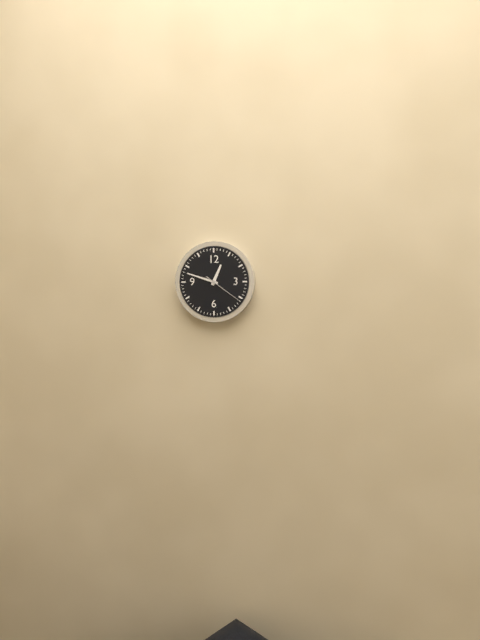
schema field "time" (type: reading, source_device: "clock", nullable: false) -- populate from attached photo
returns 12:48
